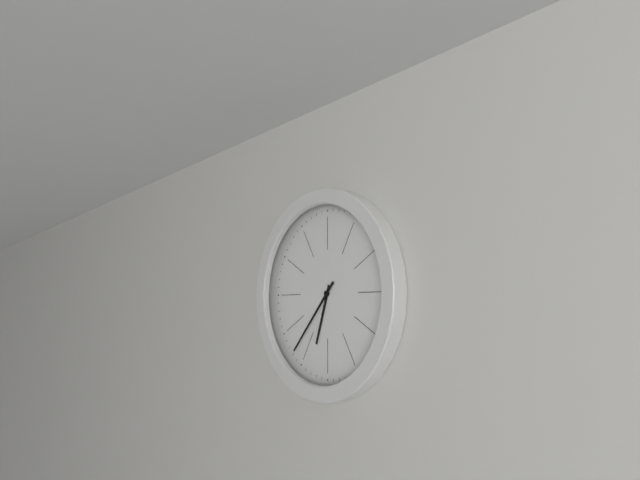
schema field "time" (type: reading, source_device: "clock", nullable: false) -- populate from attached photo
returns 6:37
